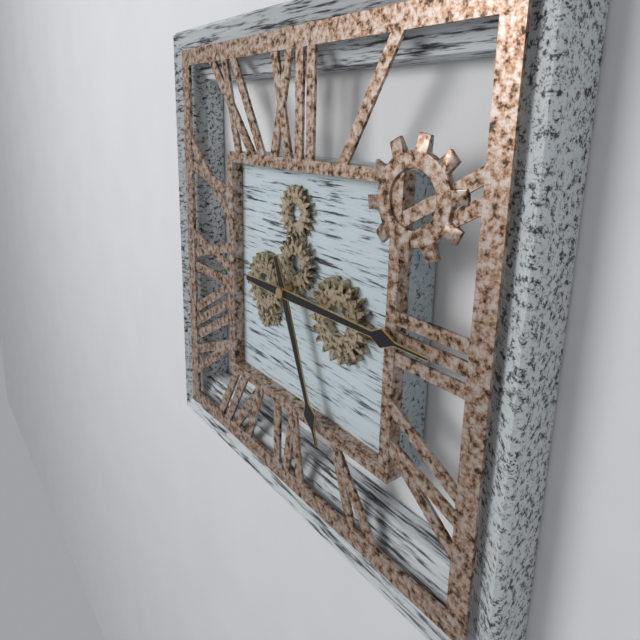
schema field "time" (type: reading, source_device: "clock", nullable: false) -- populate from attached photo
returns 5:15
